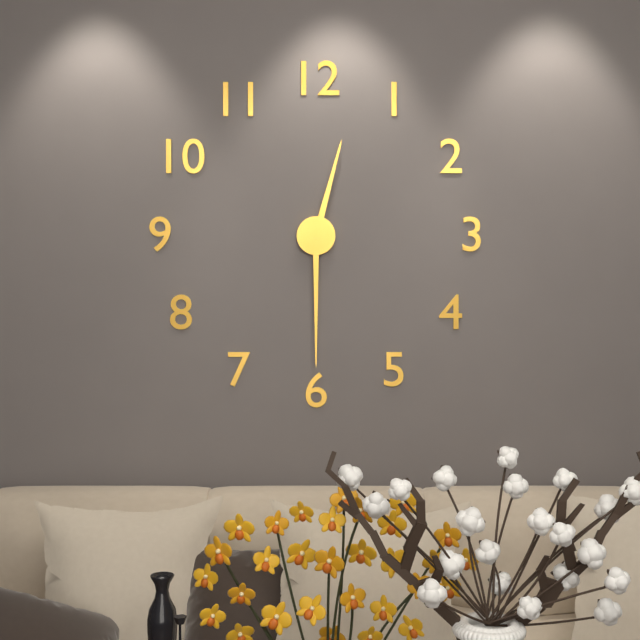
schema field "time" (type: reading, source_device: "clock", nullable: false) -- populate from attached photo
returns 12:30
